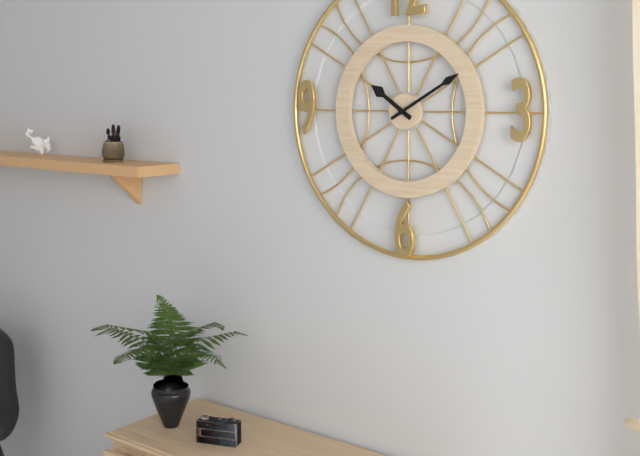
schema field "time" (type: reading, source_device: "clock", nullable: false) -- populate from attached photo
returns 10:10
